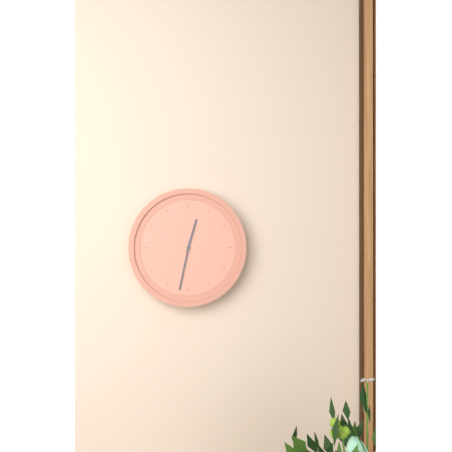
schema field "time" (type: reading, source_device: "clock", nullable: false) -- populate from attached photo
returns 12:32
